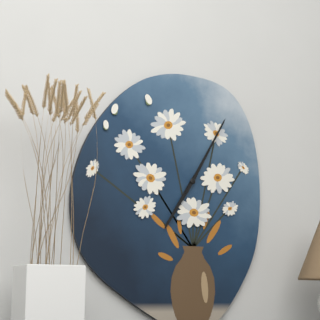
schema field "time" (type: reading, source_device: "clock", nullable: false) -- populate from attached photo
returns 7:05
